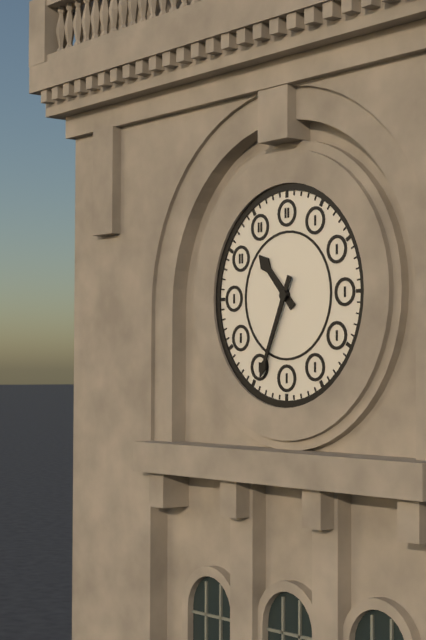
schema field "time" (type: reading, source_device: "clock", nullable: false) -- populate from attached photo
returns 10:34
